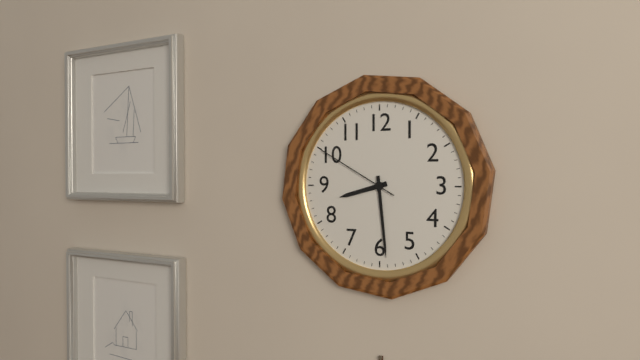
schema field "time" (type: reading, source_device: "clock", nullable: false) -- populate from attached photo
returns 8:29:50
